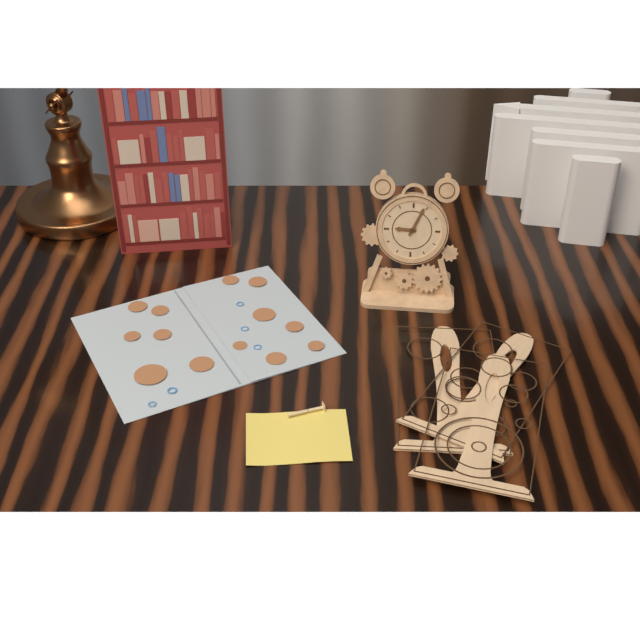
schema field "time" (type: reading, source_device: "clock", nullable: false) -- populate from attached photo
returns 9:04
